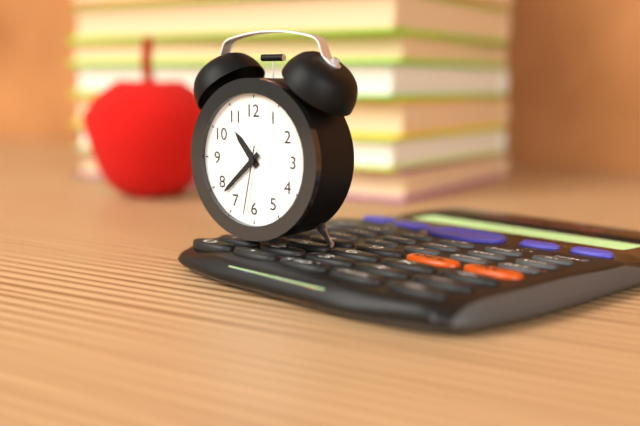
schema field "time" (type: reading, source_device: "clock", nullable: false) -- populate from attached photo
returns 10:38:32
